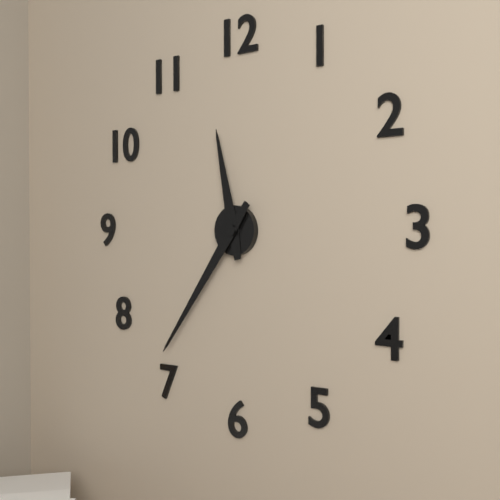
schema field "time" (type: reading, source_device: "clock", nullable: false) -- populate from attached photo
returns 11:36
